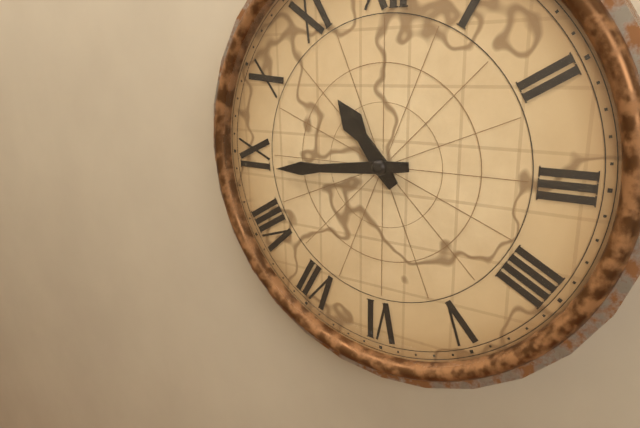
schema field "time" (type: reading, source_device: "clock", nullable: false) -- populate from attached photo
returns 10:44
